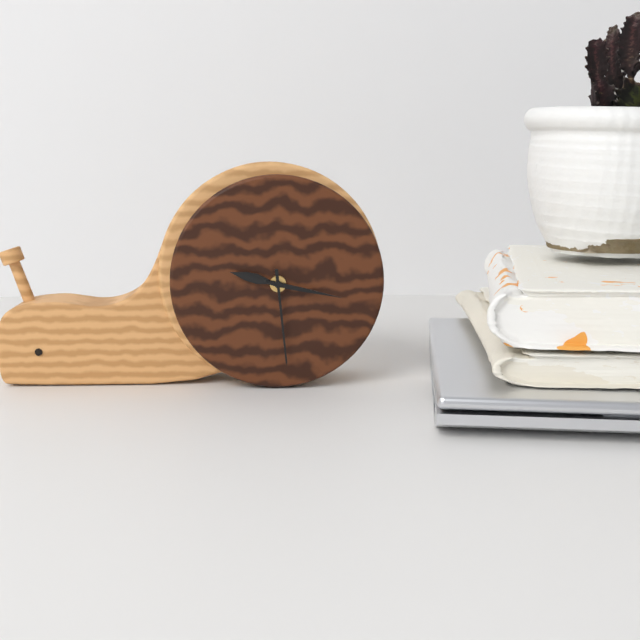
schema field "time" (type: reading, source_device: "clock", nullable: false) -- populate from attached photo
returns 9:29:17
